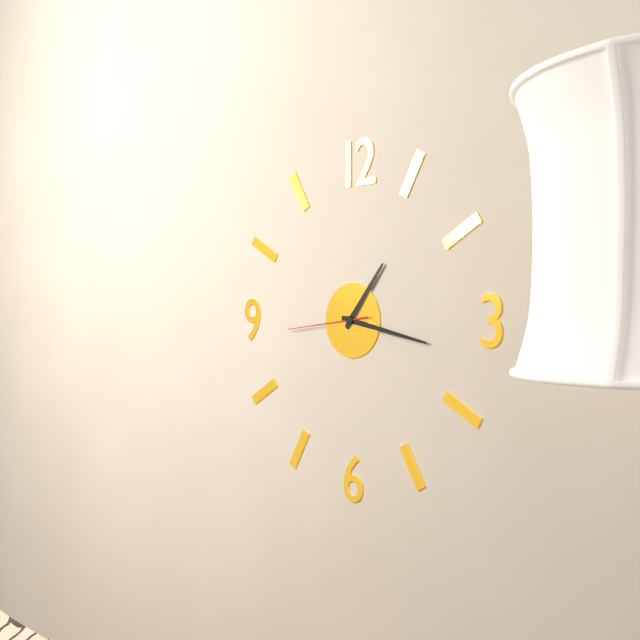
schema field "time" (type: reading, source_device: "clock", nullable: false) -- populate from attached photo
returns 1:17:44
